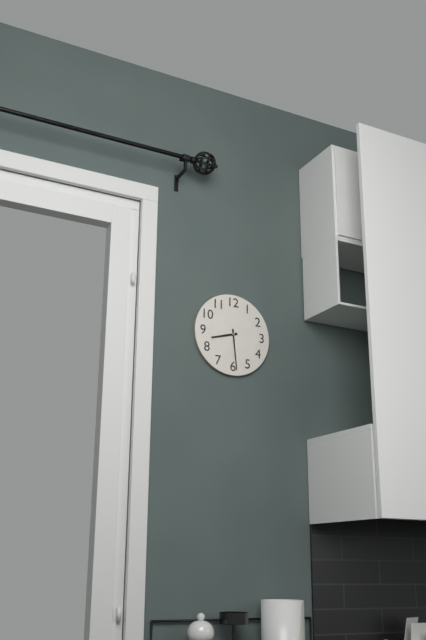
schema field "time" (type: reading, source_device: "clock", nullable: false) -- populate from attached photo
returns 8:29
